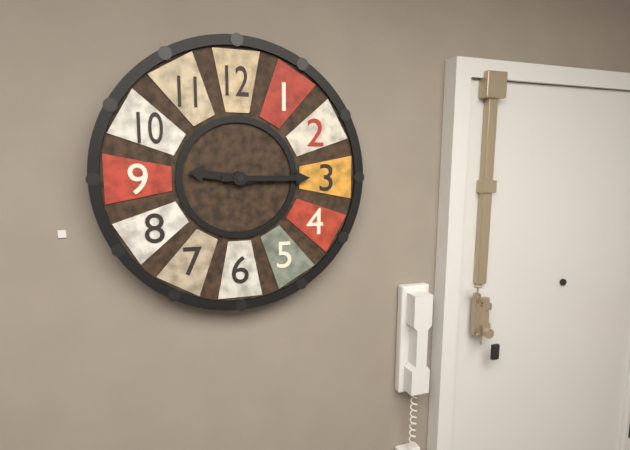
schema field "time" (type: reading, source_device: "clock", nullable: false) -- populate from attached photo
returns 9:15
